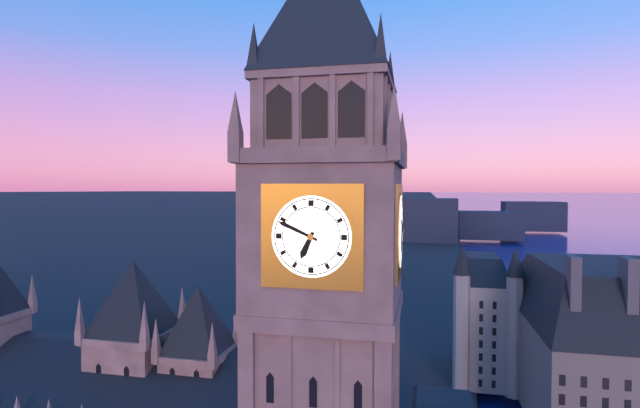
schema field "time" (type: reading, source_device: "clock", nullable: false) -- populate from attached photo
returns 6:49
